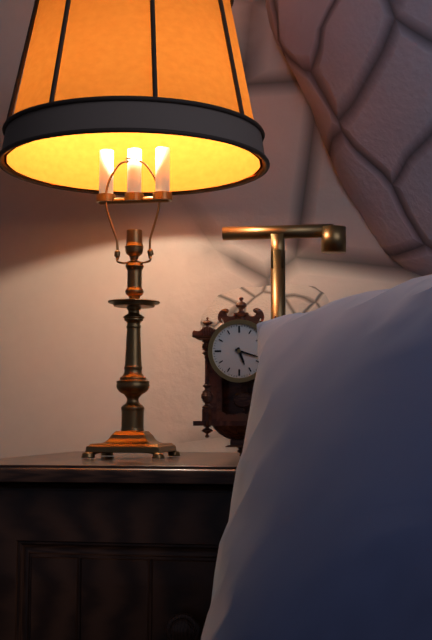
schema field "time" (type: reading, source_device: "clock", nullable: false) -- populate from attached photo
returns 5:18
